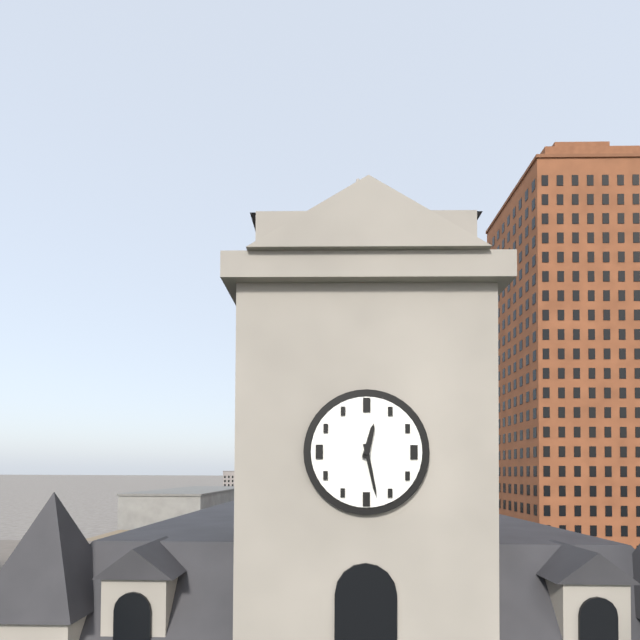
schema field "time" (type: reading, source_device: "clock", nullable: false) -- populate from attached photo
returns 12:28
